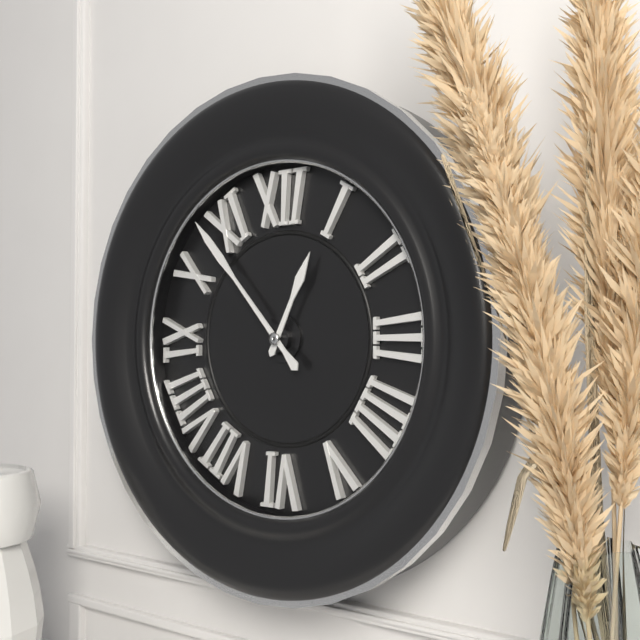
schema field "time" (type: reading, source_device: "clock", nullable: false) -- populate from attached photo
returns 12:53
